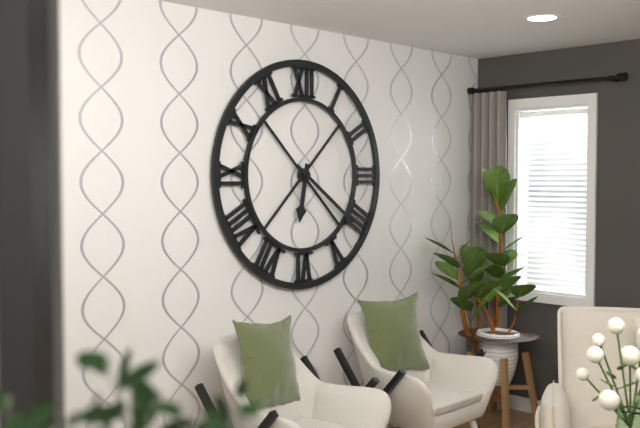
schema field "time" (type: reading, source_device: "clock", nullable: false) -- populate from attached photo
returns 6:21
